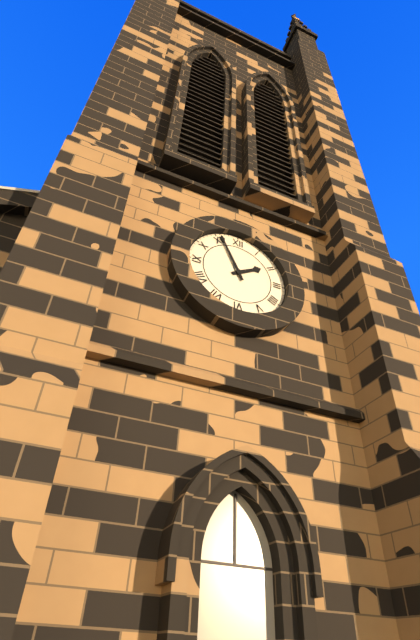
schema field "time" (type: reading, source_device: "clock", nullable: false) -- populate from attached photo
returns 1:56
